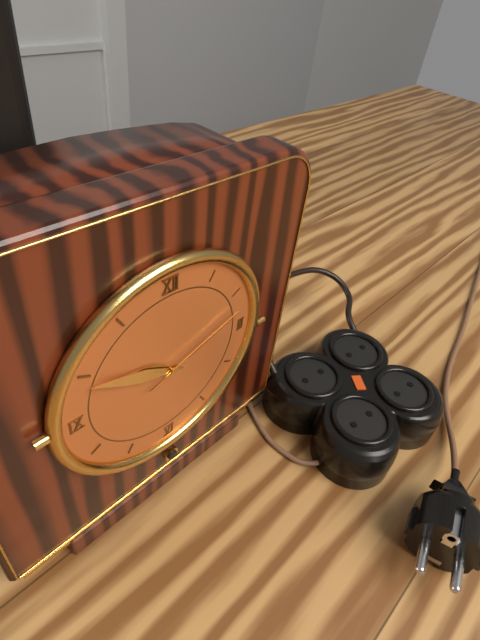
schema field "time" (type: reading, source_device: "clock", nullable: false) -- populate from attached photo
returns 9:49:12
